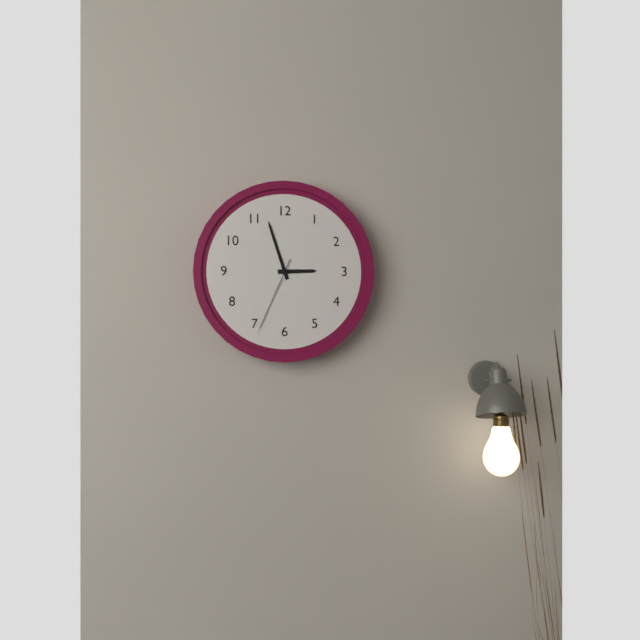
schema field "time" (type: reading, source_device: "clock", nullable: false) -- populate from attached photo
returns 2:57:34
